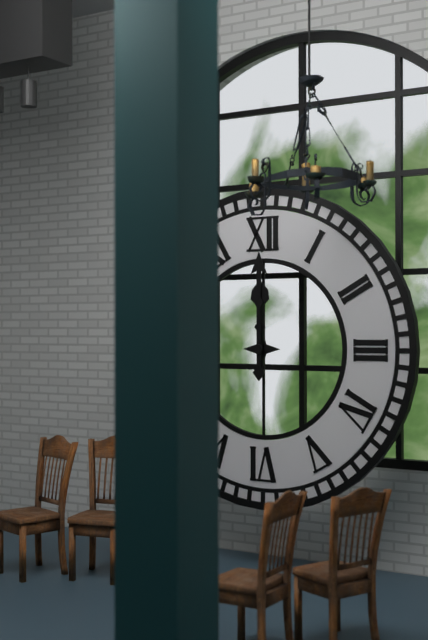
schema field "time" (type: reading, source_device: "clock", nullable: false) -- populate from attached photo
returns 12:00
